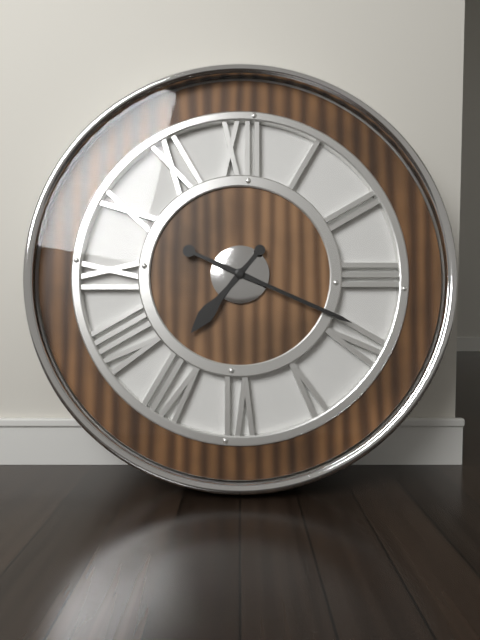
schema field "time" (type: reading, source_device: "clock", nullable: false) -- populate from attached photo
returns 7:19
